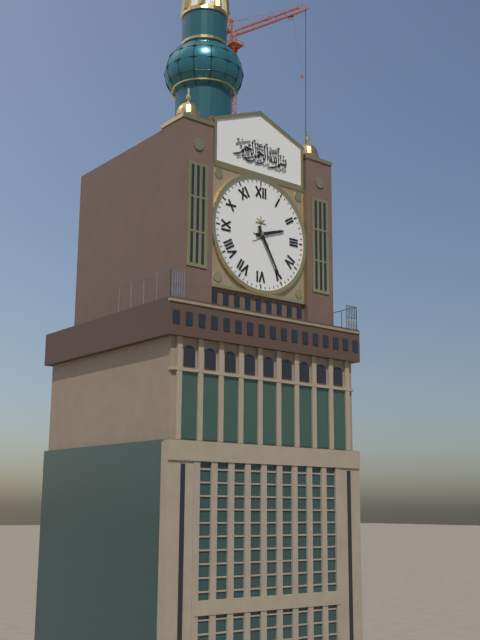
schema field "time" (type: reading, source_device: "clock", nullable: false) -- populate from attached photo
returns 2:25
